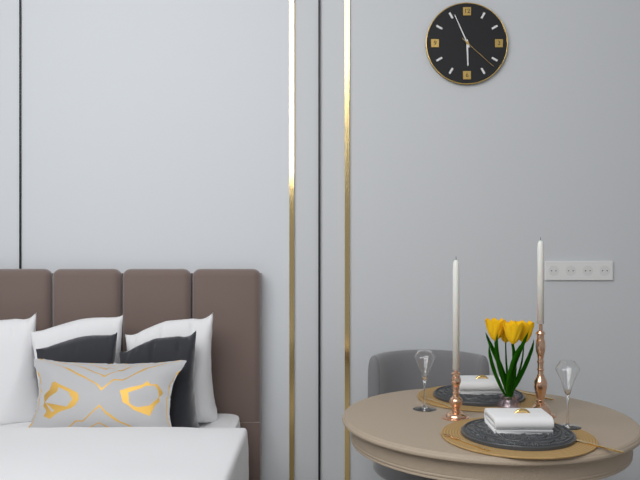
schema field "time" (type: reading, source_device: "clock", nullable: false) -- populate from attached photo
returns 5:56
